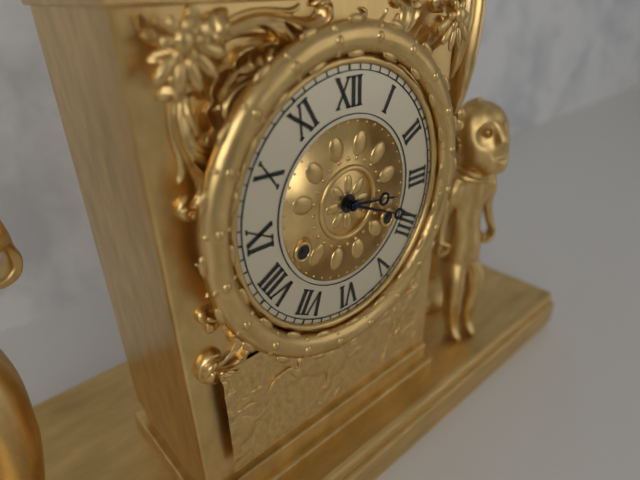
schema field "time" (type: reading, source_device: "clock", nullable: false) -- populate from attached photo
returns 3:19
